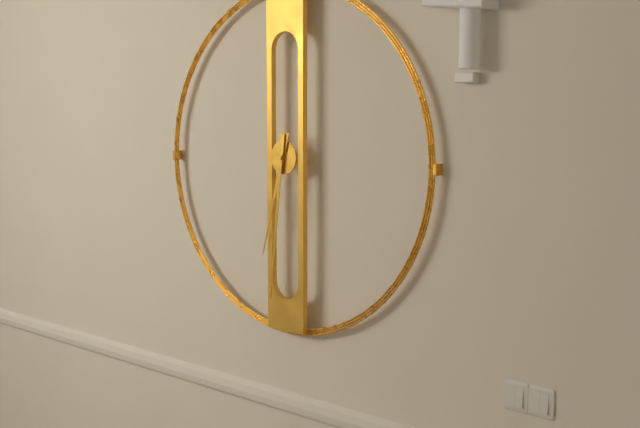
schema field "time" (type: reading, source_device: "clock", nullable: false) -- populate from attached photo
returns 6:31
